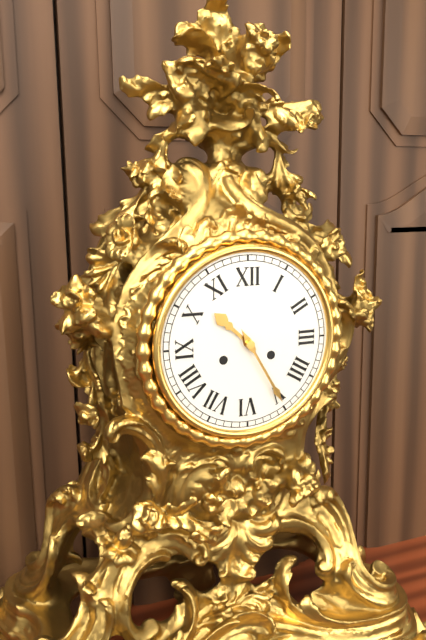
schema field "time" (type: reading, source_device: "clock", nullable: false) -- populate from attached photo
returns 10:25
